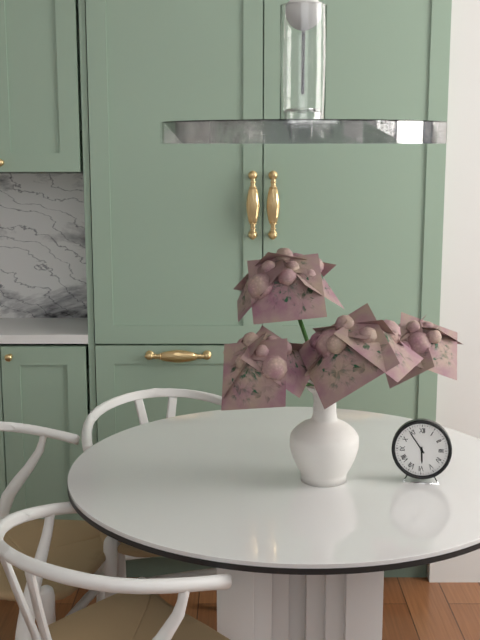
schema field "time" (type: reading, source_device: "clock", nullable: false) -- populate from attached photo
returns 5:54
